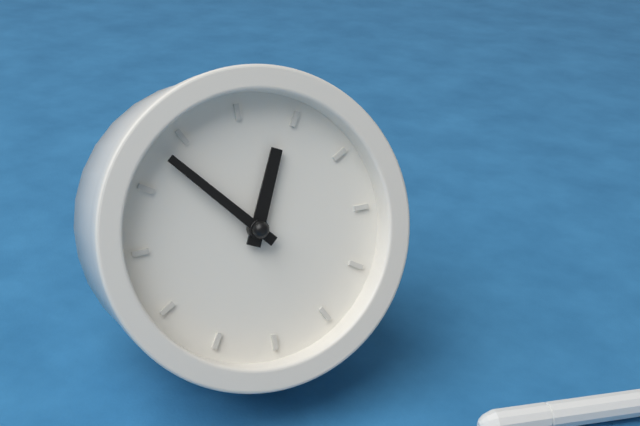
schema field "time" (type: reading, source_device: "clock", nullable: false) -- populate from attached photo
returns 11:48
